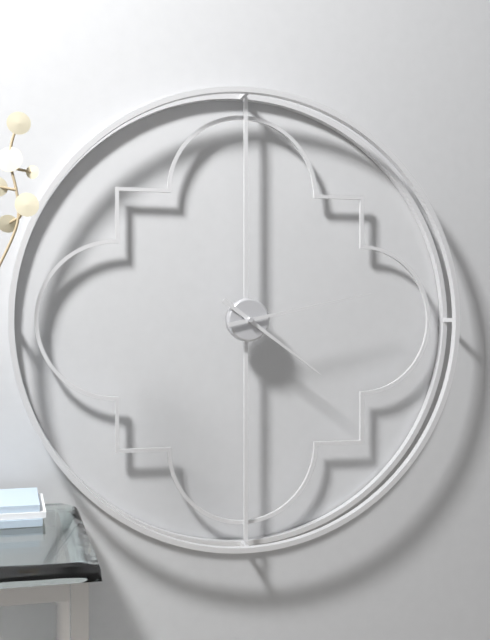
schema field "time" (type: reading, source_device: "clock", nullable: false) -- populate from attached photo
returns 4:13
